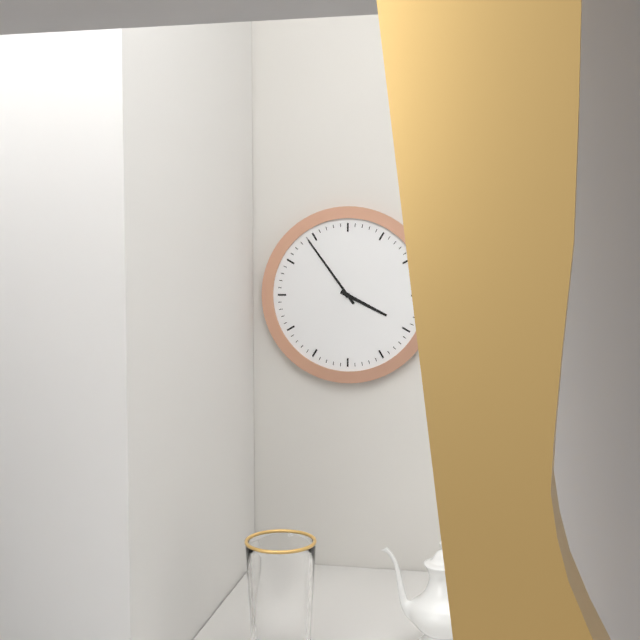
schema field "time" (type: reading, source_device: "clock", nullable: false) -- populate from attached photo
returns 3:54
